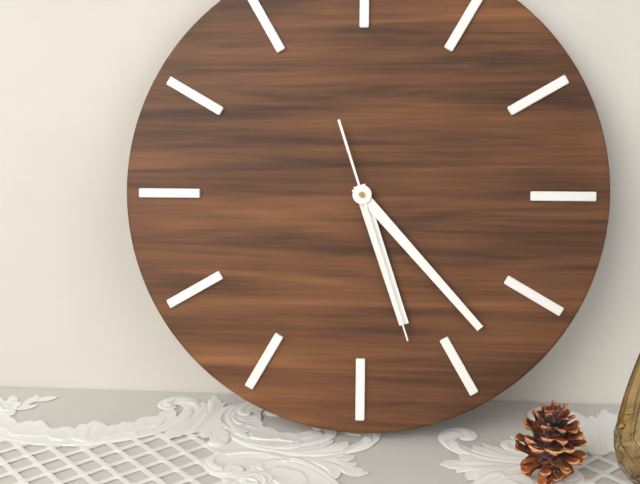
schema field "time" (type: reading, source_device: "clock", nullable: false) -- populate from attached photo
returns 5:23:27
